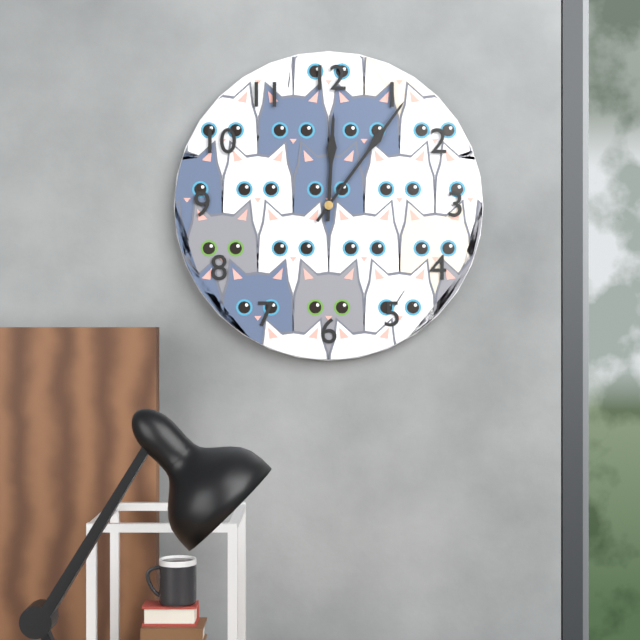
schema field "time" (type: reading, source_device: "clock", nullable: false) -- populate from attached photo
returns 12:06
